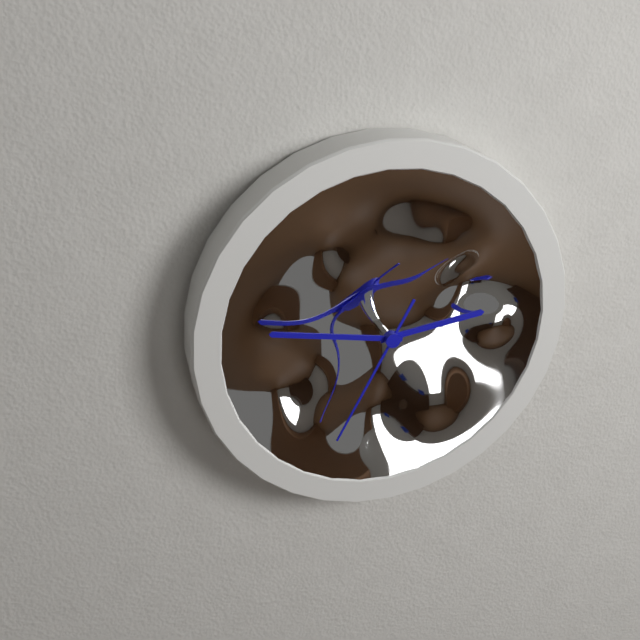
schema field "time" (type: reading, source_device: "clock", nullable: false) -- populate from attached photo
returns 2:47:35
